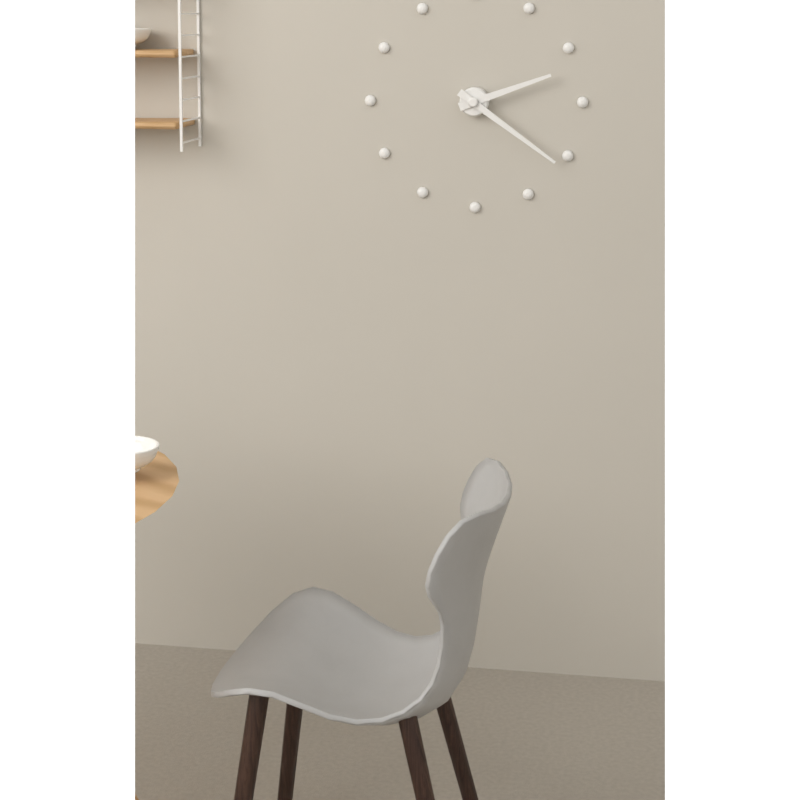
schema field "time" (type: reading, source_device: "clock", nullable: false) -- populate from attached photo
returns 2:21
